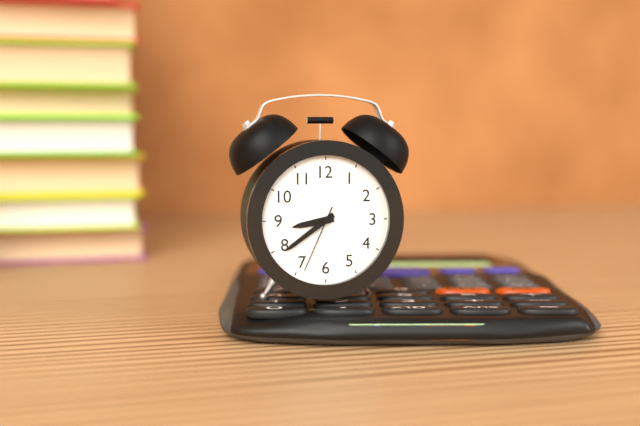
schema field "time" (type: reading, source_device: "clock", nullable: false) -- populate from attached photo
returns 8:39:34
